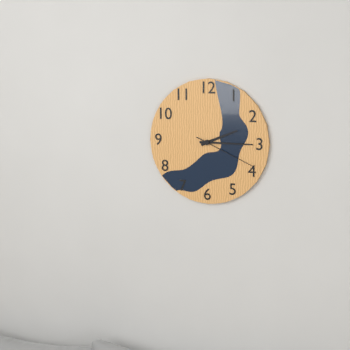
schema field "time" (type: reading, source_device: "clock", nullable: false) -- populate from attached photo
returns 2:15:19
